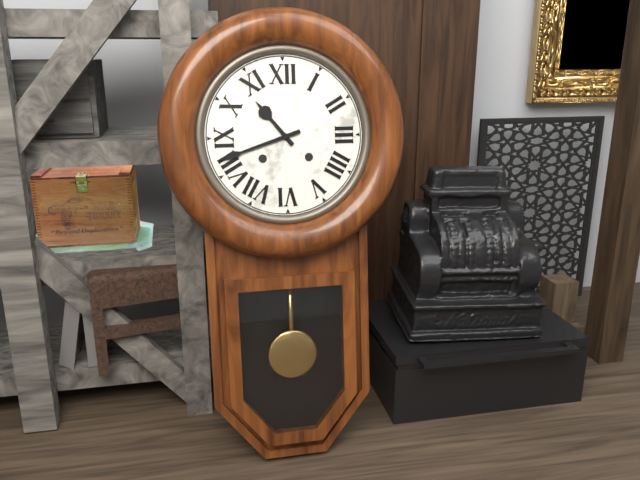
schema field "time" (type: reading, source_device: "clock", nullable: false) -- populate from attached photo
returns 10:42
